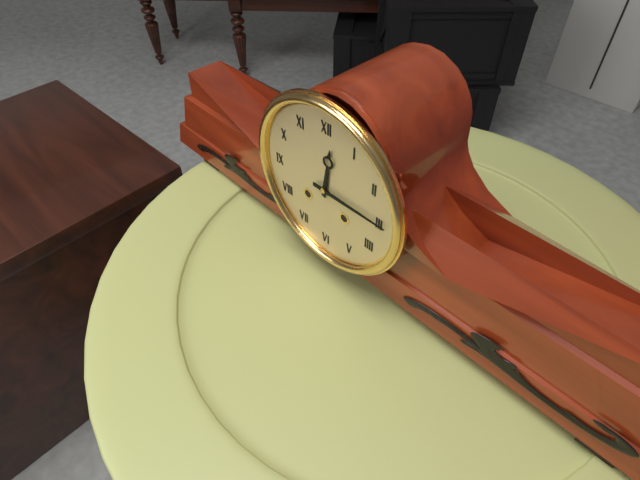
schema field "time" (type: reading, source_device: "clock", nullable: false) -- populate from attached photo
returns 12:15
